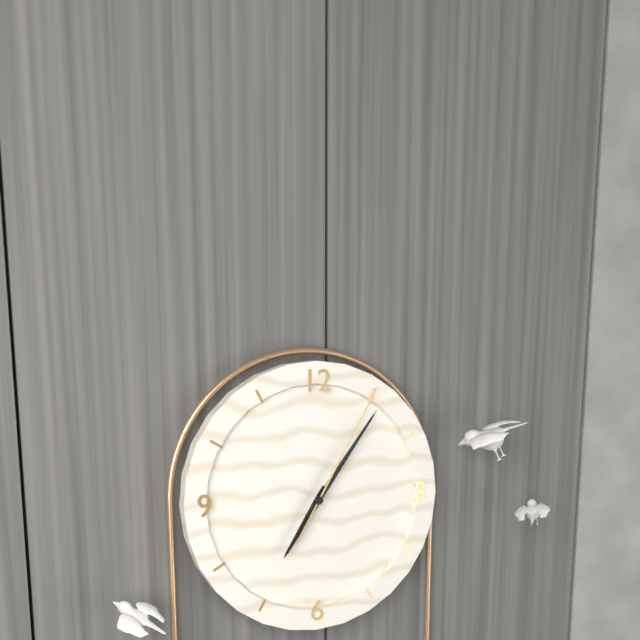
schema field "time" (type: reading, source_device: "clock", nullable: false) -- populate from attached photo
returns 7:06:05
